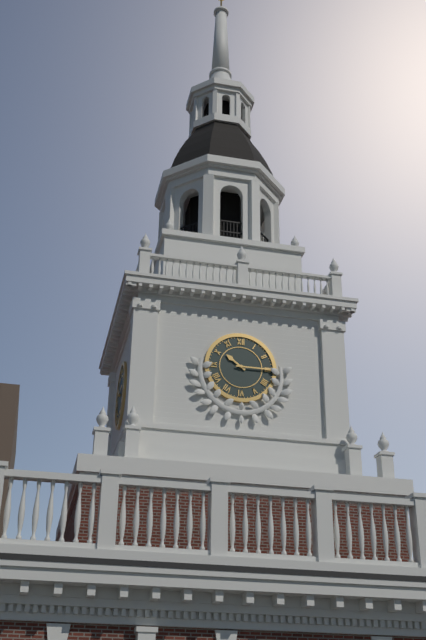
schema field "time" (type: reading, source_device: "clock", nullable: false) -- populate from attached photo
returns 10:15
